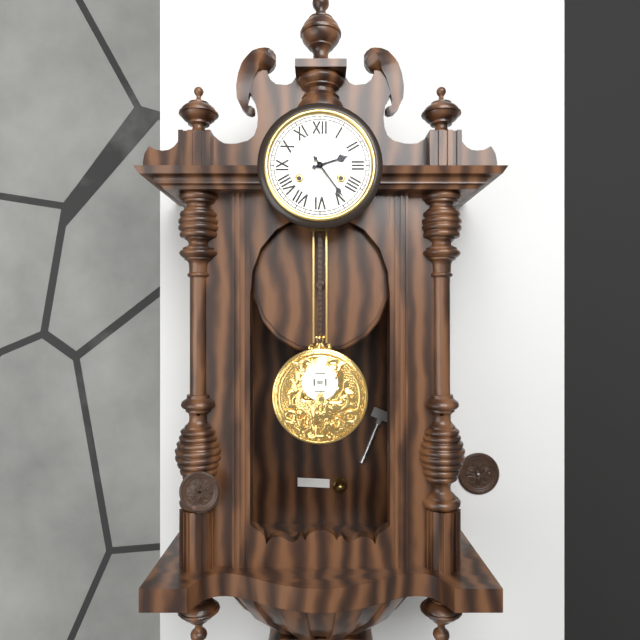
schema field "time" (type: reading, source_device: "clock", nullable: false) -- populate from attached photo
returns 2:24
